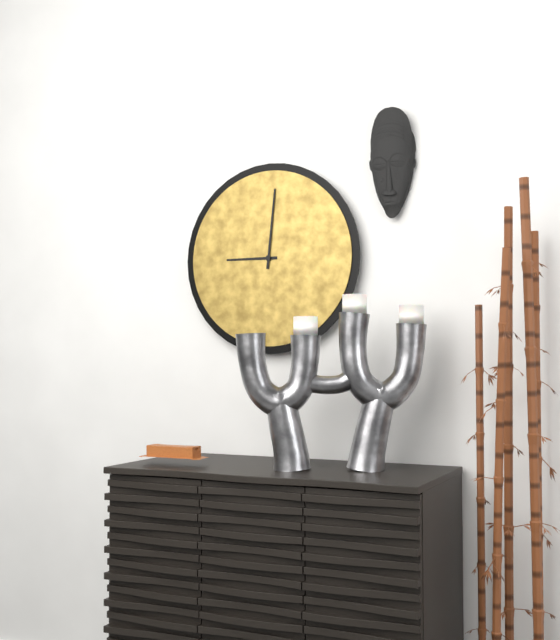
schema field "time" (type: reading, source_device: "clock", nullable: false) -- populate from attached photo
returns 9:01
